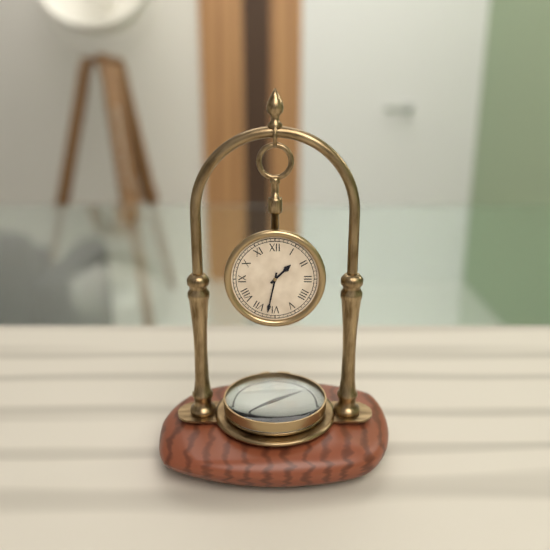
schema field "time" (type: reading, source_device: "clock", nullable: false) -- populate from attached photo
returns 1:32
